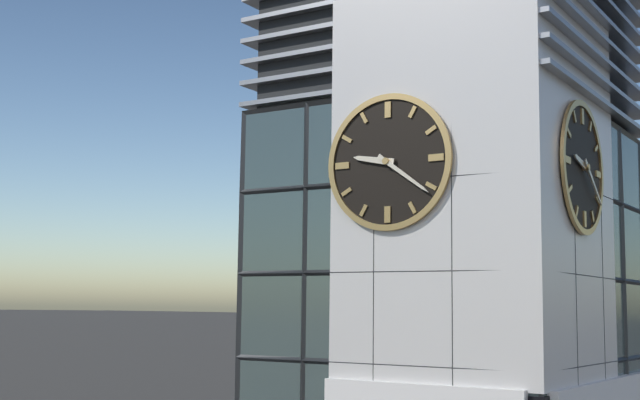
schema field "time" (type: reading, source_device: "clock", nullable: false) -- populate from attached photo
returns 9:21
